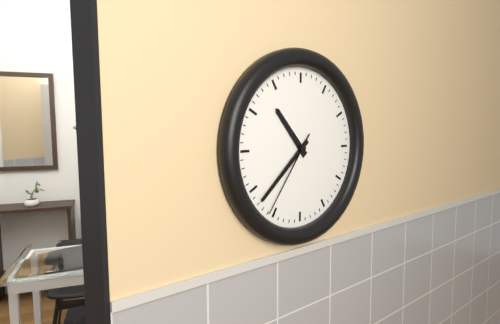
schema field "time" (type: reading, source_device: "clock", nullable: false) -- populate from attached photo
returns 10:38:36
